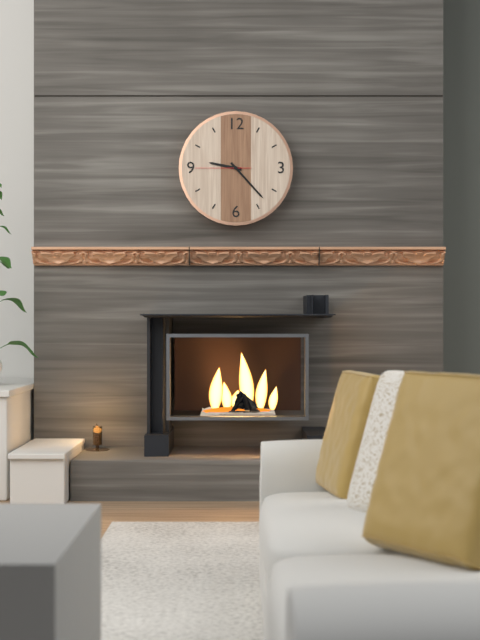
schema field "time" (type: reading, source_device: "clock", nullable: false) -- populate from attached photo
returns 9:23:45
